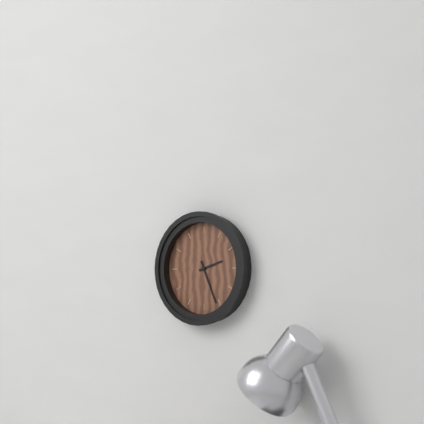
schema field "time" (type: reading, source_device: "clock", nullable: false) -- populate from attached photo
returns 2:26
